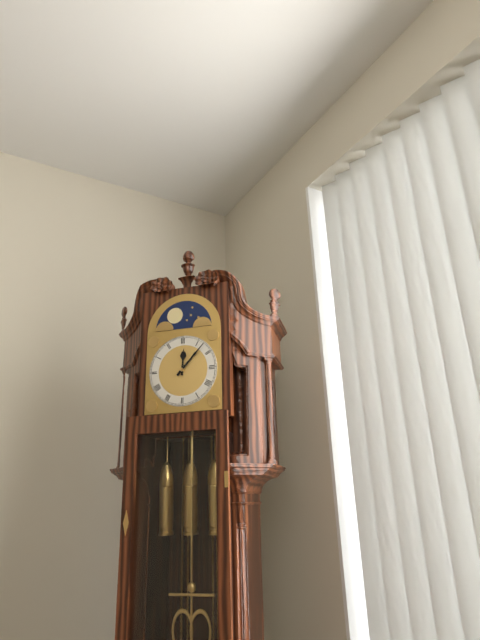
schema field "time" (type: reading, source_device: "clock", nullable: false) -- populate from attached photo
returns 12:07
